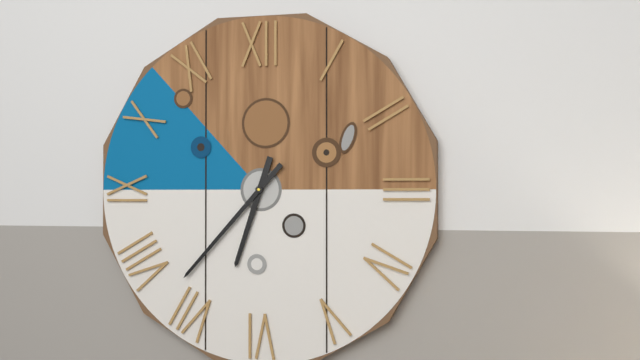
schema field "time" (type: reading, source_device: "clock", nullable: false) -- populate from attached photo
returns 6:37
